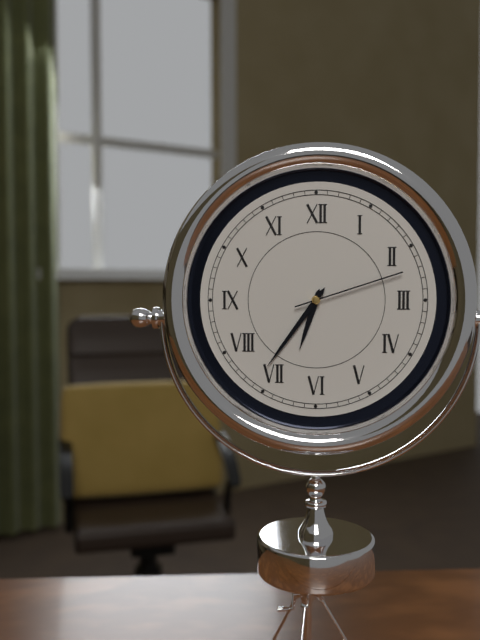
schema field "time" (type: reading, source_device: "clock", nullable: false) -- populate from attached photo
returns 6:36:12
